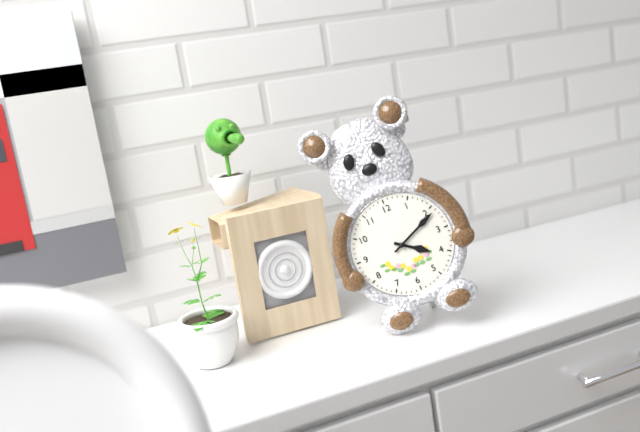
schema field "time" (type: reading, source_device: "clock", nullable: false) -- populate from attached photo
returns 4:11
